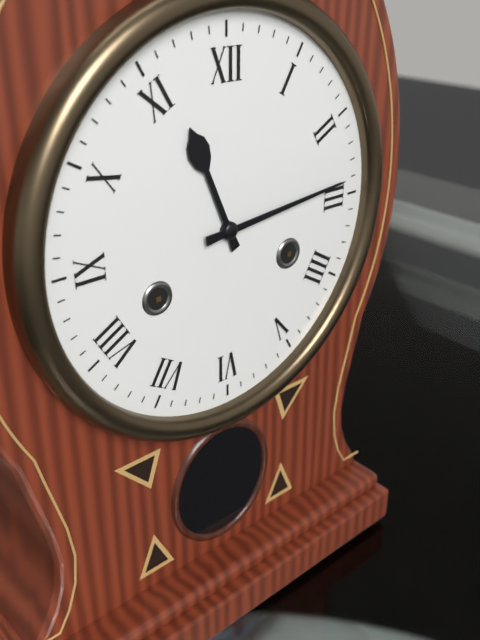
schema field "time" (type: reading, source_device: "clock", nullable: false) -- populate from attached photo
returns 11:14
